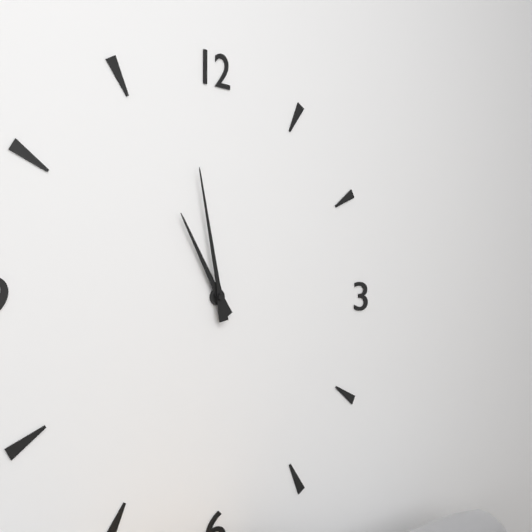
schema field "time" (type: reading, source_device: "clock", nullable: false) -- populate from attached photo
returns 10:58
